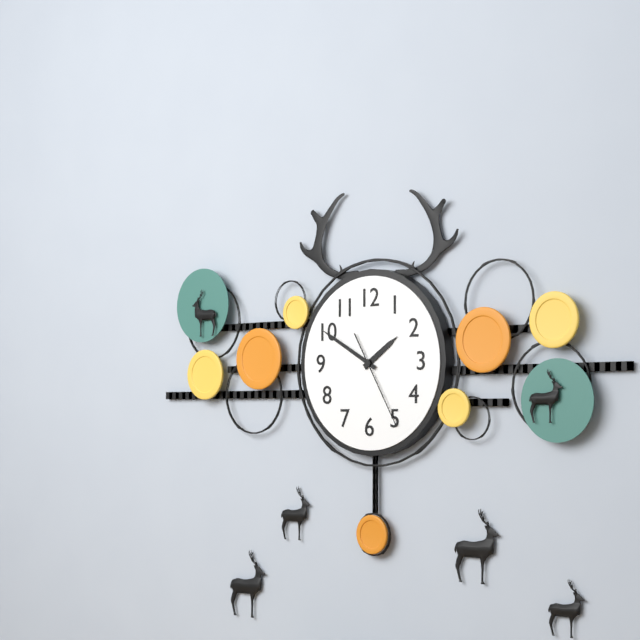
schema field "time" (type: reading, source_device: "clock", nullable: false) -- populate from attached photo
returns 1:50:25
